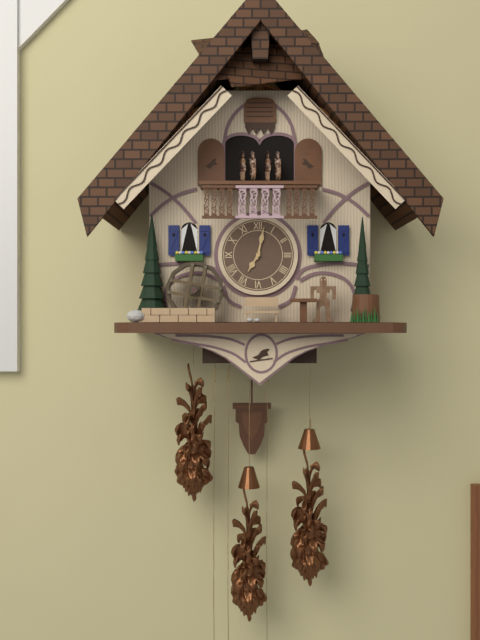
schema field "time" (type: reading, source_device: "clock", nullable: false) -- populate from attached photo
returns 7:02
